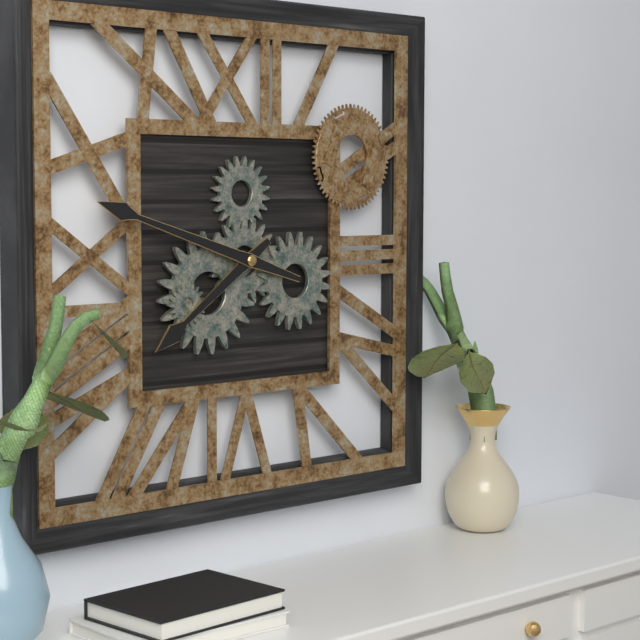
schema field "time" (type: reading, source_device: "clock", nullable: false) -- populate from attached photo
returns 7:48
